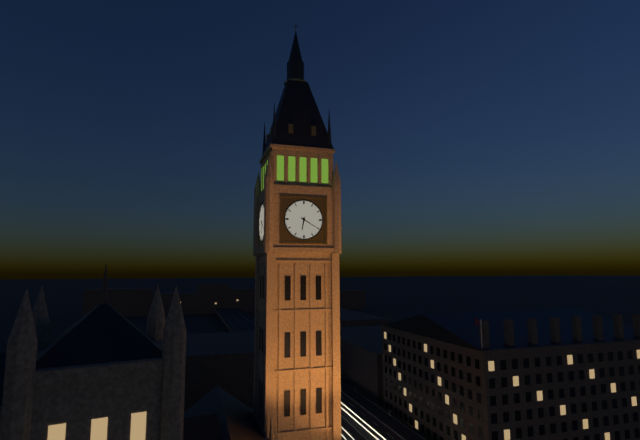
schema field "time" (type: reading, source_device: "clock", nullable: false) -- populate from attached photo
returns 6:20
